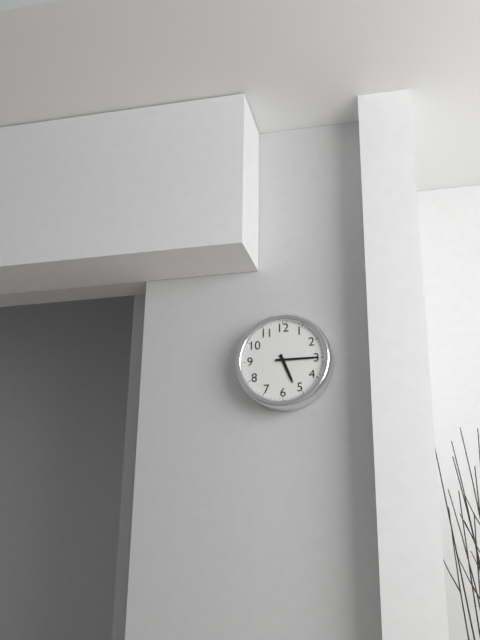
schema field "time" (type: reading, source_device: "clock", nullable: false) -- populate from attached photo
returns 5:15
